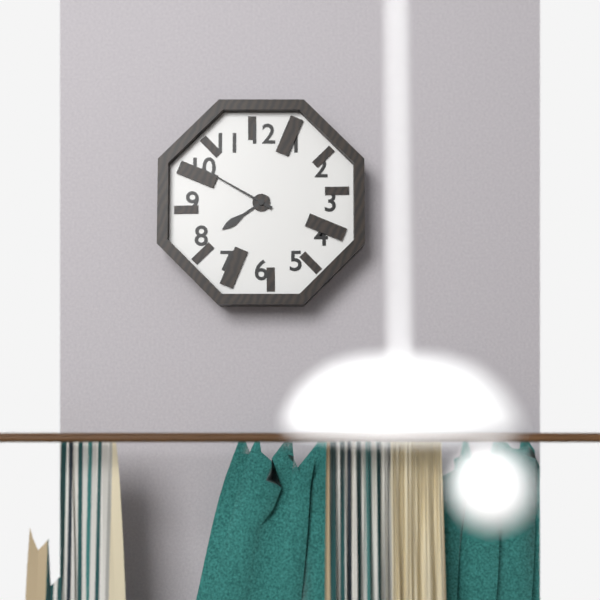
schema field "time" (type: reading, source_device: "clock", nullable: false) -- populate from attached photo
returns 7:50
